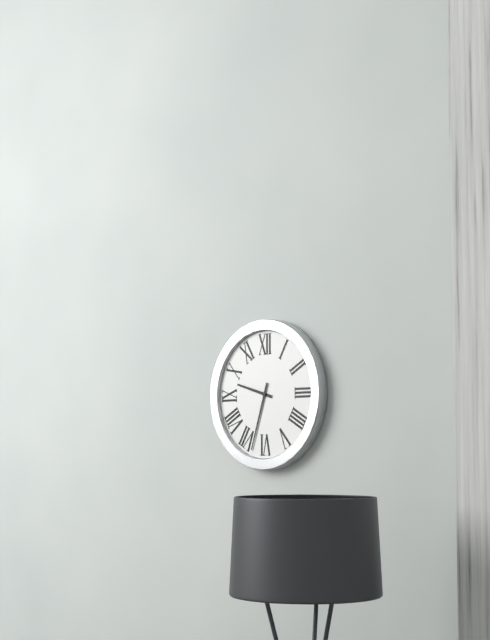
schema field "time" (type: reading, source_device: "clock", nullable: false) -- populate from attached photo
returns 9:33
